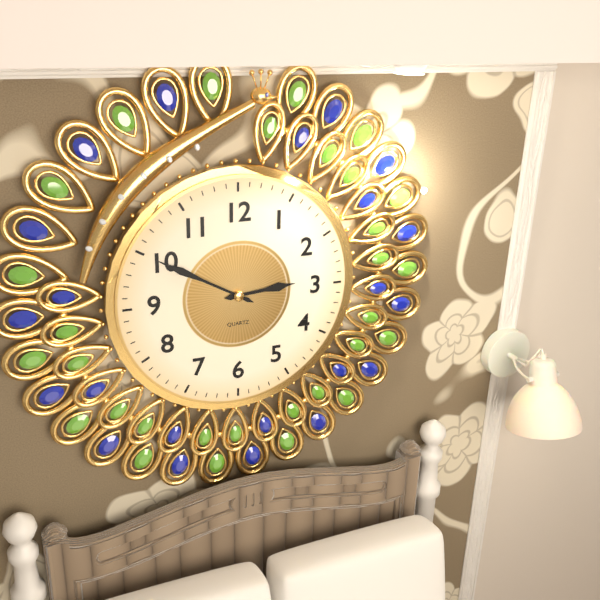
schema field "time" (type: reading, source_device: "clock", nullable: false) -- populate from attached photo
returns 2:50
